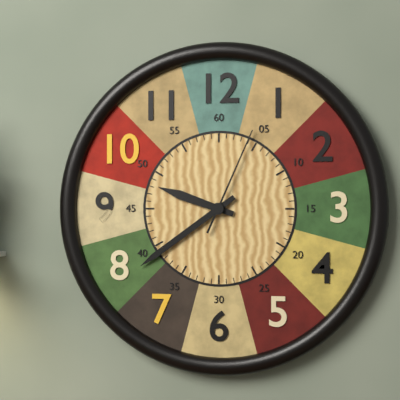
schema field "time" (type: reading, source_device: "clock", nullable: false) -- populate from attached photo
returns 9:39:04
